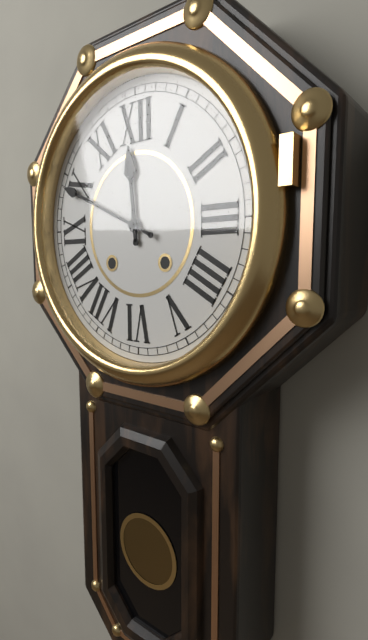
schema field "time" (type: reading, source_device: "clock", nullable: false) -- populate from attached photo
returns 11:49
